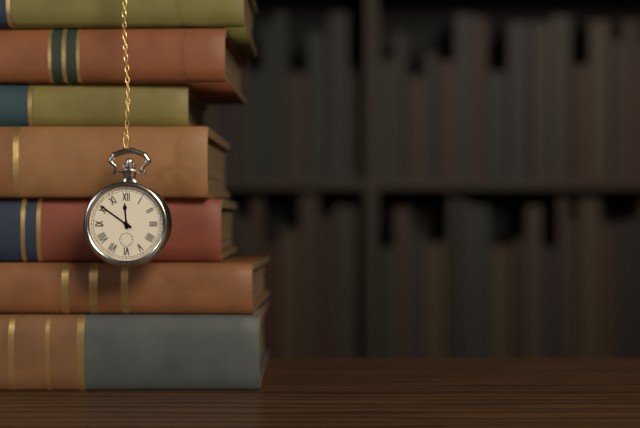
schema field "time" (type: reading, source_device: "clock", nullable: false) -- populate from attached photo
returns 11:51
